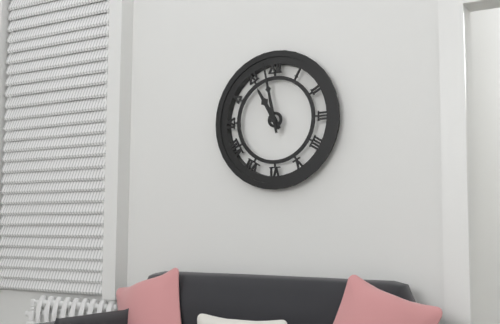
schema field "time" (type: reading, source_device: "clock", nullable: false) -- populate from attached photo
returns 10:58
